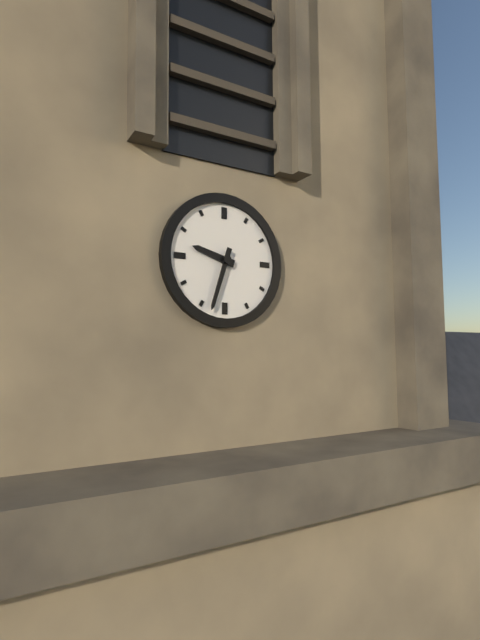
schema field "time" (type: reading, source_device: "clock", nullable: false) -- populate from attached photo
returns 9:33
